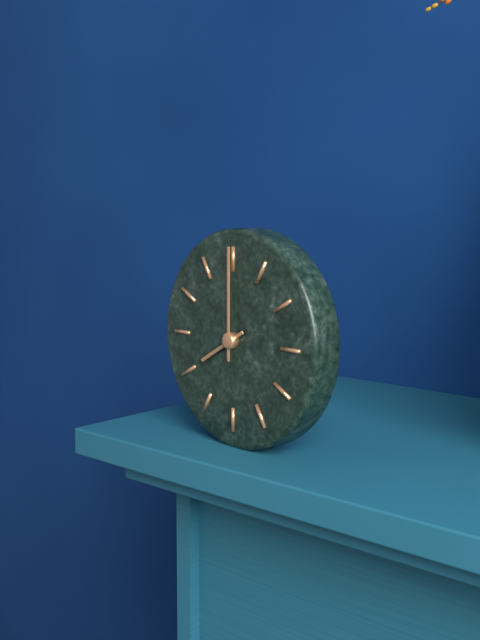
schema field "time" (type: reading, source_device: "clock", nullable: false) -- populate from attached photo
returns 8:00
